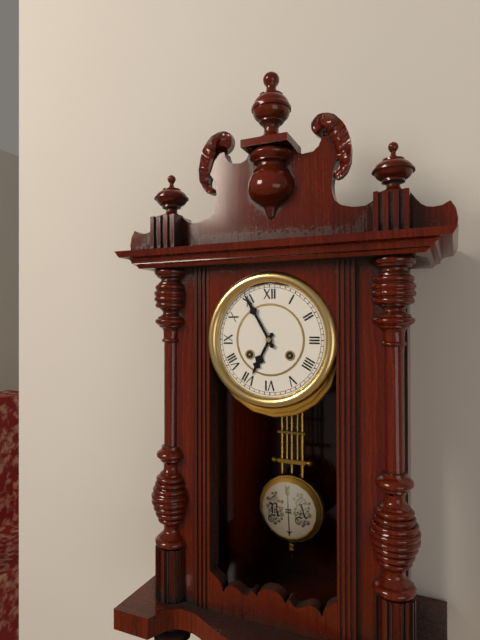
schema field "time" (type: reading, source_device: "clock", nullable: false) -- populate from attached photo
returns 6:55
